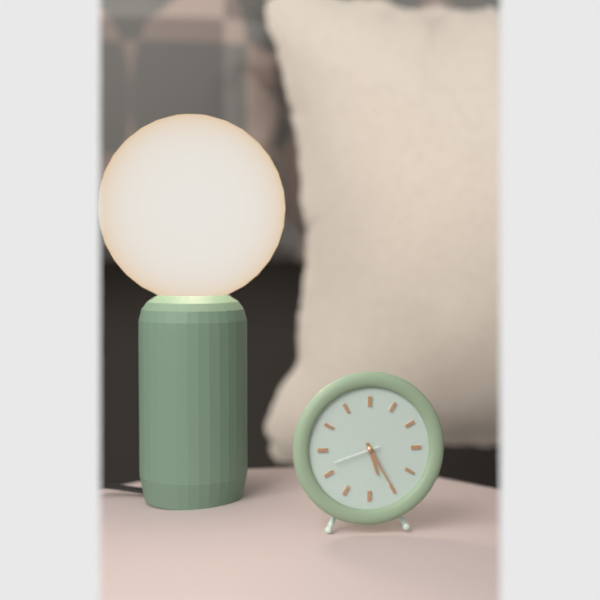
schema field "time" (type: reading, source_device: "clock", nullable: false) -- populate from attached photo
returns 5:25
